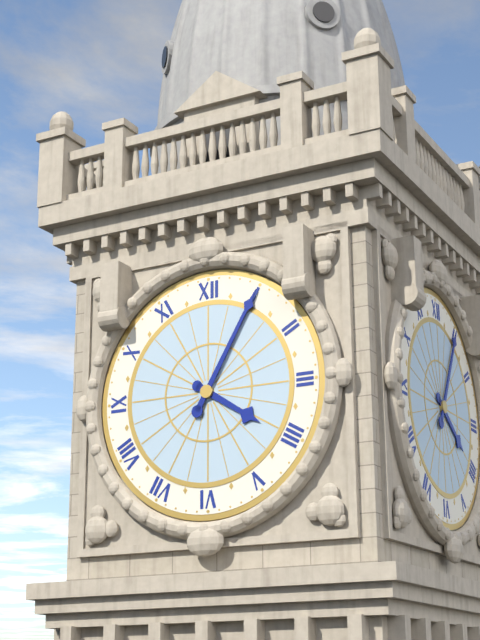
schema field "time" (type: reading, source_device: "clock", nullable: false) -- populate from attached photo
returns 4:05
